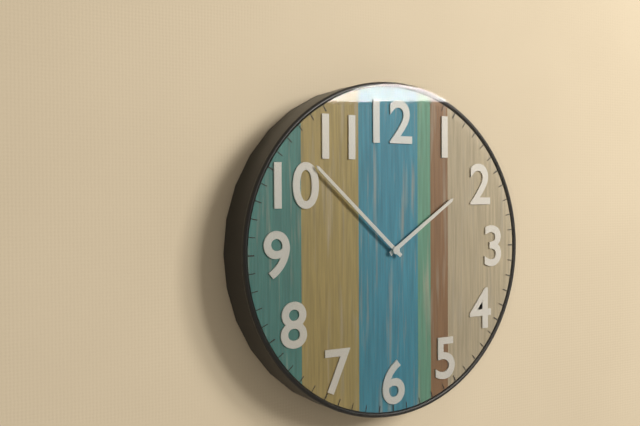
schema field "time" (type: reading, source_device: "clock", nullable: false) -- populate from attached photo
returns 1:52
